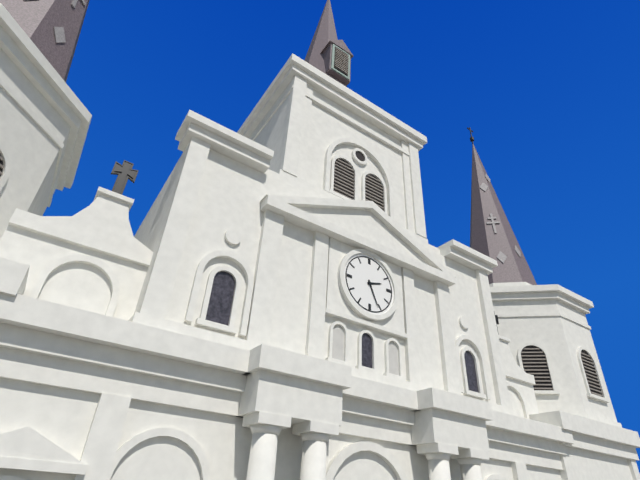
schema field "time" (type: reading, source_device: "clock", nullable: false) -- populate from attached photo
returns 2:26
